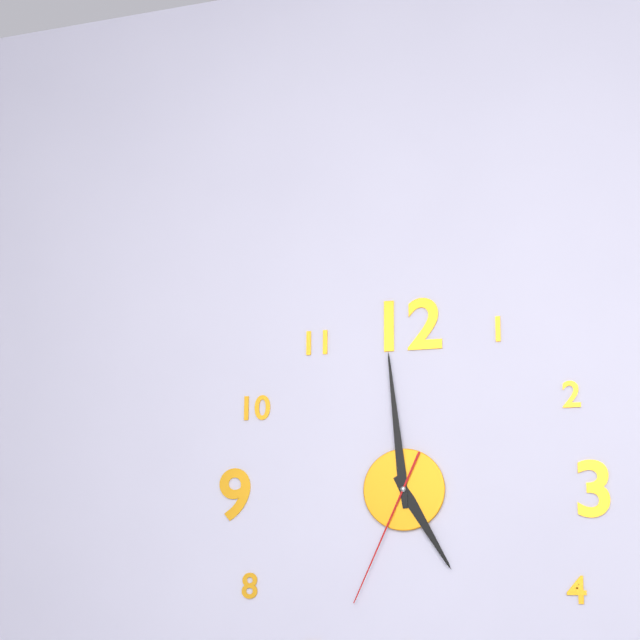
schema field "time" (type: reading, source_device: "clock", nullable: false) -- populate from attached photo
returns 4:59:34
